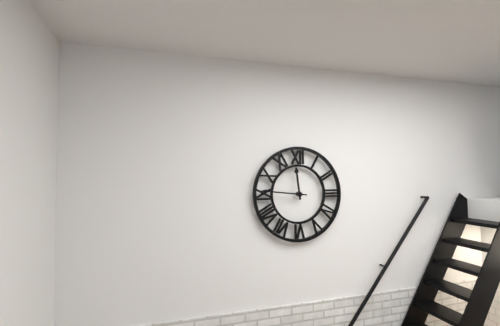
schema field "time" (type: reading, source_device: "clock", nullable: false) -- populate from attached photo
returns 11:46
